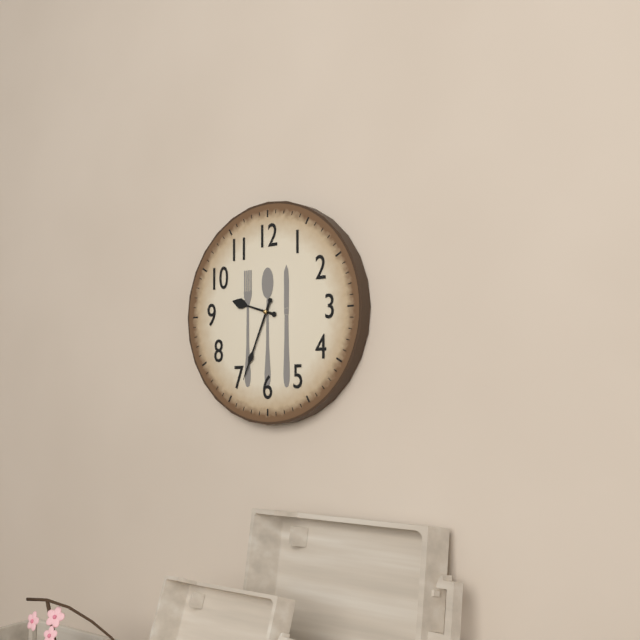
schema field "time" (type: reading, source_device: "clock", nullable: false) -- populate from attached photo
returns 9:34
